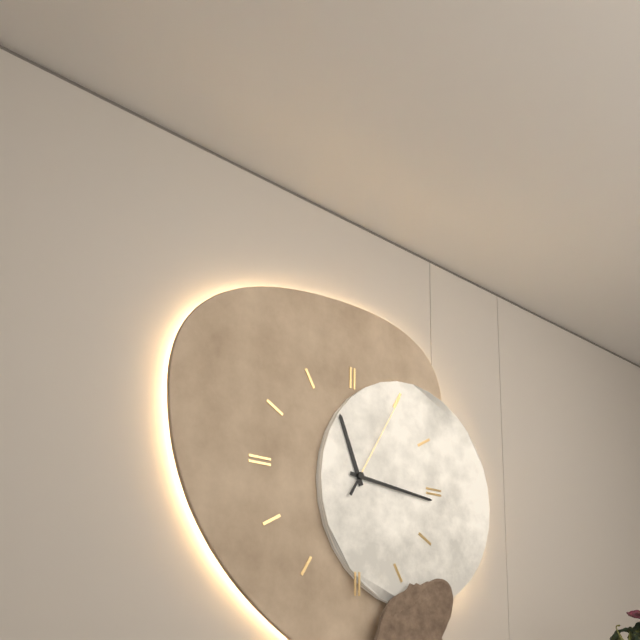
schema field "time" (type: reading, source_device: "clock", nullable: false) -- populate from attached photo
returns 11:16:05
